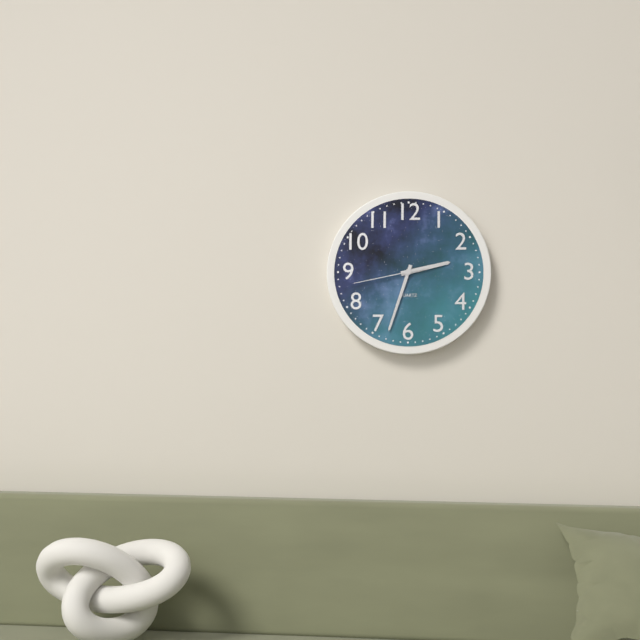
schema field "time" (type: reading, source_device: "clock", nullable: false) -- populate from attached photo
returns 2:33:43
